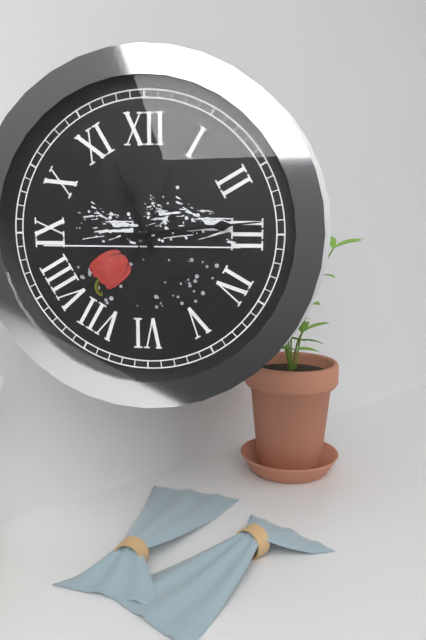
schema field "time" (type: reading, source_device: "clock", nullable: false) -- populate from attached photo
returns 11:14:04
